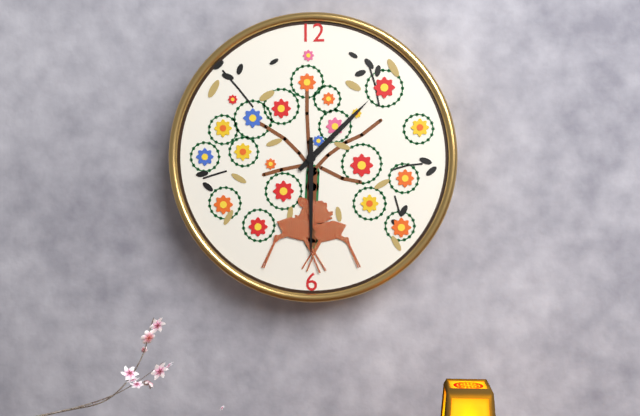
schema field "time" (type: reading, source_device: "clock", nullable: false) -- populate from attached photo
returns 1:30
